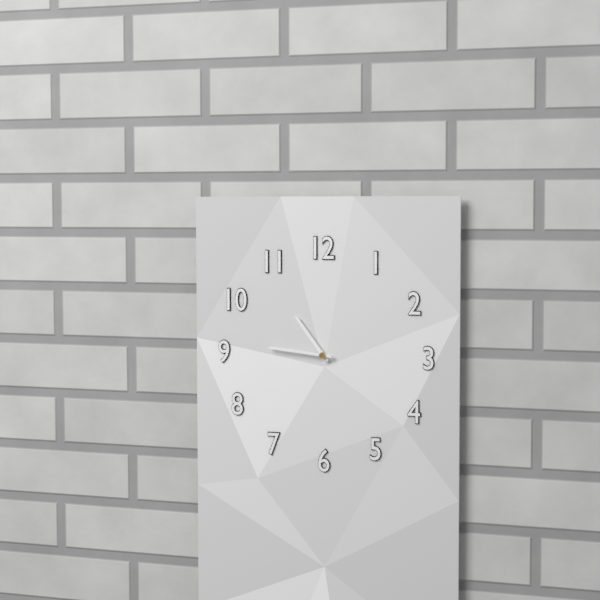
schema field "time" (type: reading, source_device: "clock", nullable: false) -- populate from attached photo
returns 10:46
